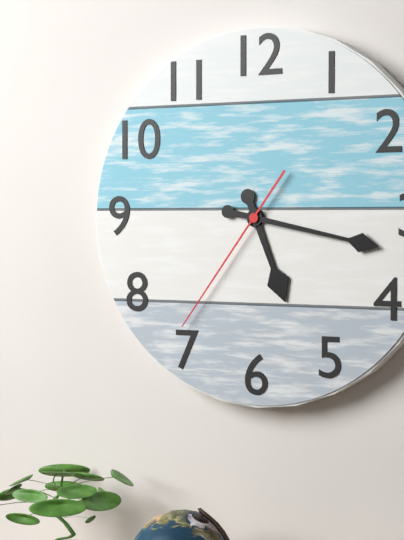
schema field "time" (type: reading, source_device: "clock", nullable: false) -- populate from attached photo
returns 5:17:36
